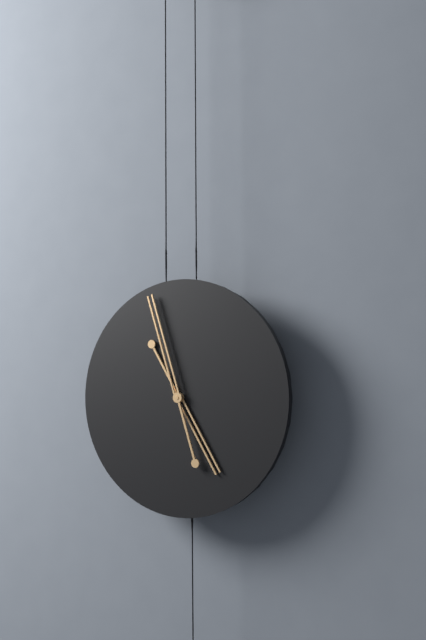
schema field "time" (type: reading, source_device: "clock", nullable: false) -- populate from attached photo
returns 4:57
